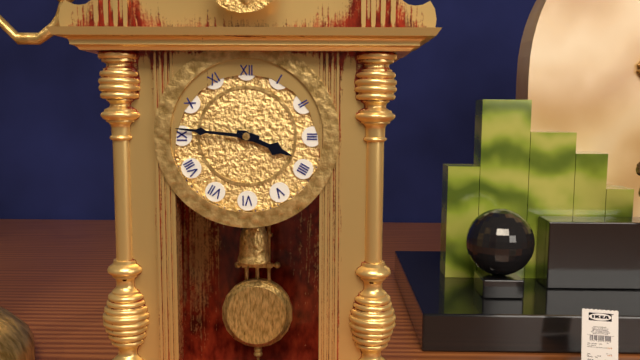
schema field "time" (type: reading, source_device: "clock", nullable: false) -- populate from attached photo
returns 3:46
